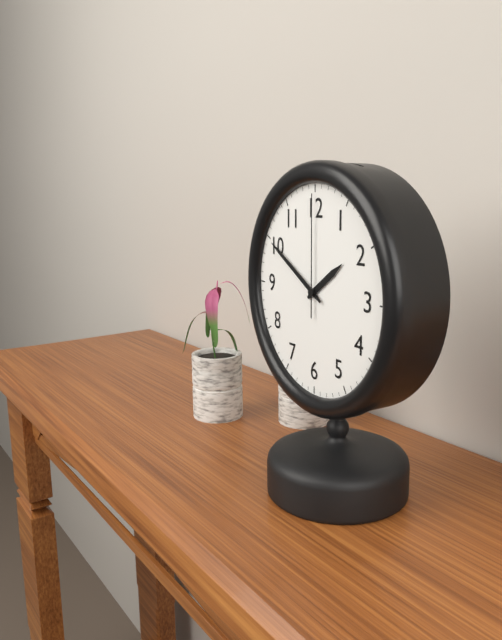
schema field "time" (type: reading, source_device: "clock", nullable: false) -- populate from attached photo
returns 1:50:00
